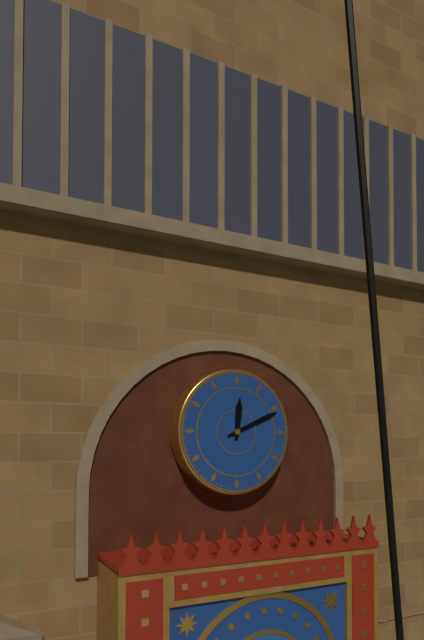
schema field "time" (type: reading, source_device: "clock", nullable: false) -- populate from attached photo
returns 12:11
